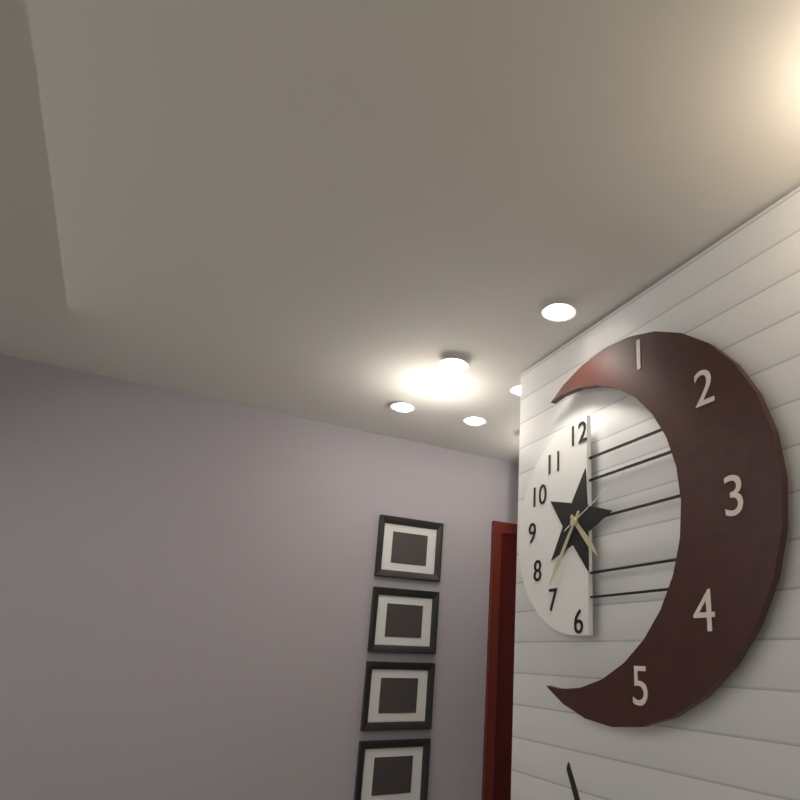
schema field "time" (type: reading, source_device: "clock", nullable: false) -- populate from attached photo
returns 4:36:11
